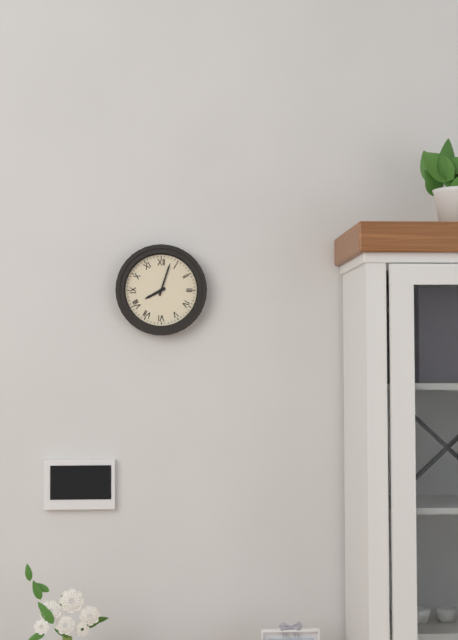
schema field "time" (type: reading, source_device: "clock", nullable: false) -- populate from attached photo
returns 8:03
